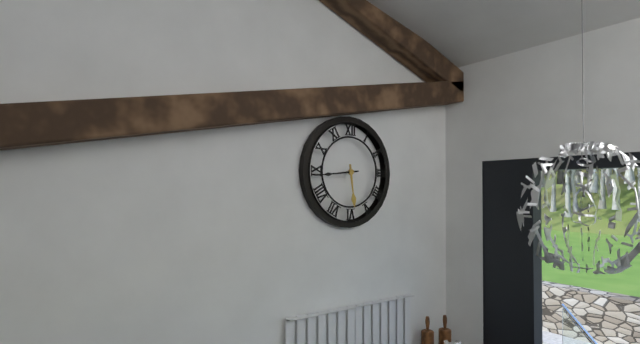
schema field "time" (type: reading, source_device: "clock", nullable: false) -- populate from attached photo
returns 5:44
